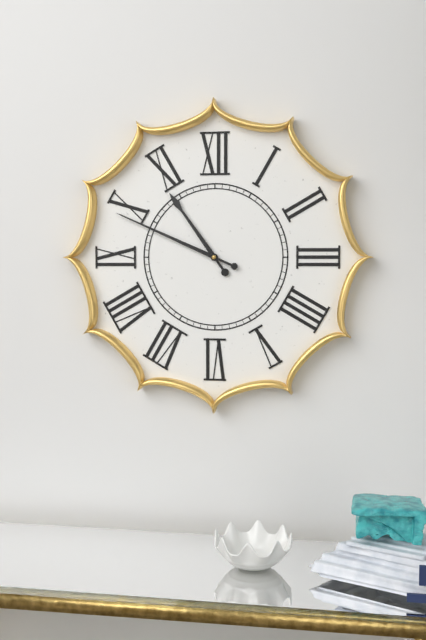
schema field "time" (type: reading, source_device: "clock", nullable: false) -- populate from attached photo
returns 10:49
